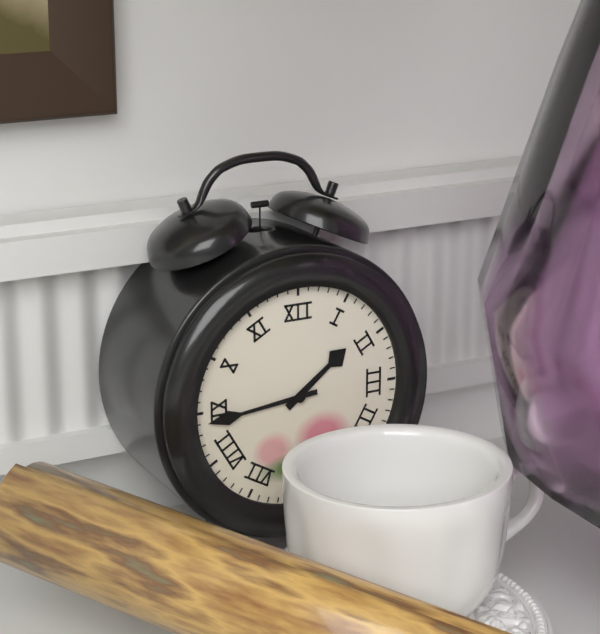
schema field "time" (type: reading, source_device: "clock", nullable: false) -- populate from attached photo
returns 1:44
